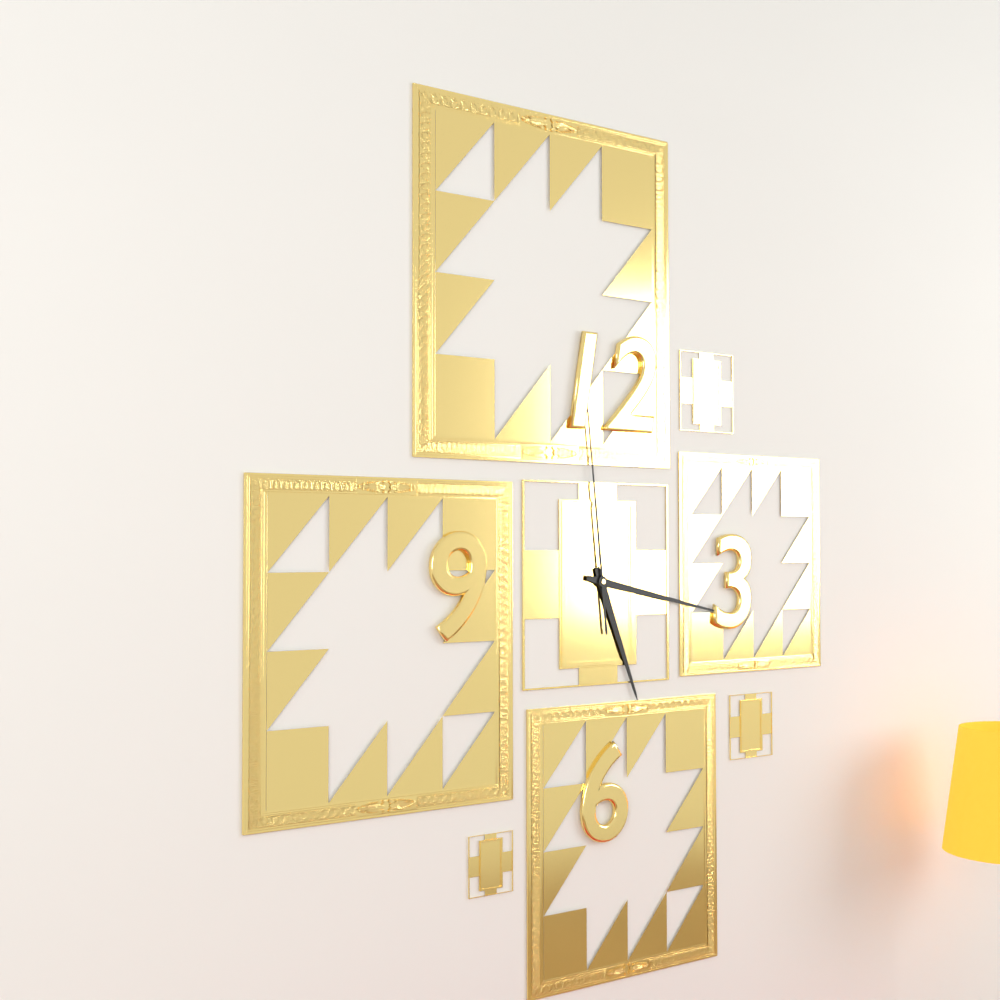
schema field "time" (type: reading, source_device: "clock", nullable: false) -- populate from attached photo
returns 5:17:59
